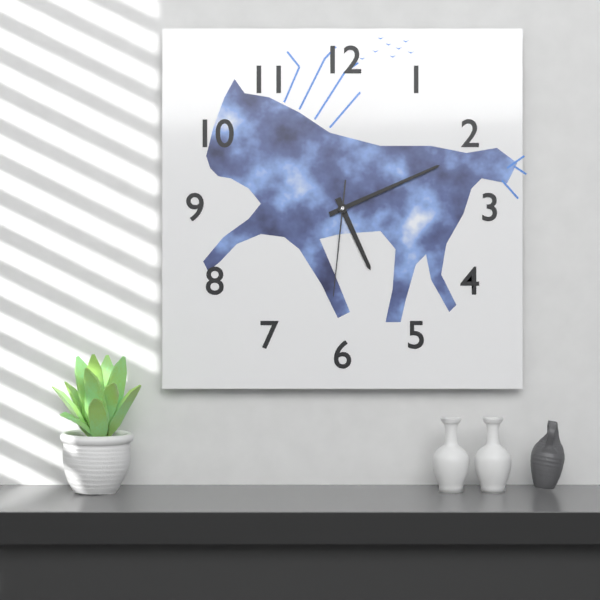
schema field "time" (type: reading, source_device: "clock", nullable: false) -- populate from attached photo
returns 5:11:31
